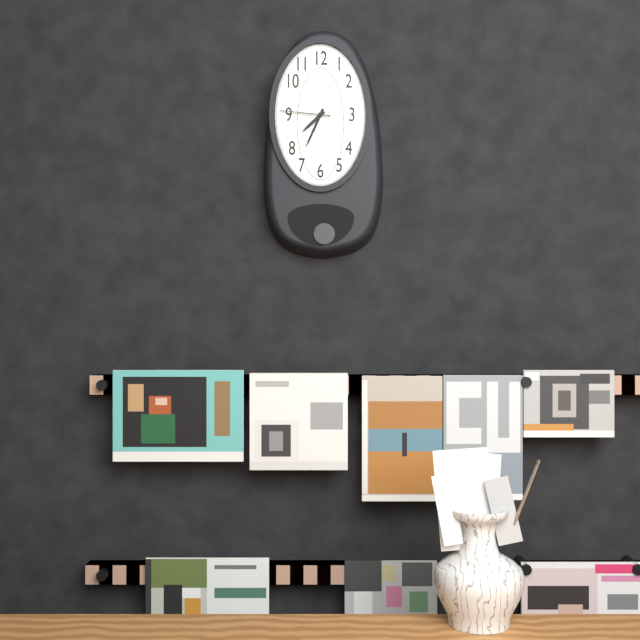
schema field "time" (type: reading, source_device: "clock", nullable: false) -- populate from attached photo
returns 7:34:46
